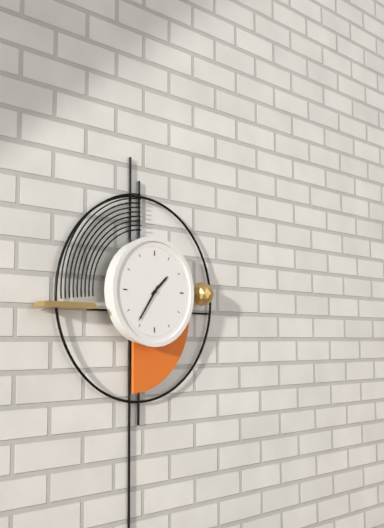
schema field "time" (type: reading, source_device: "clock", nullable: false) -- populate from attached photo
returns 1:36
